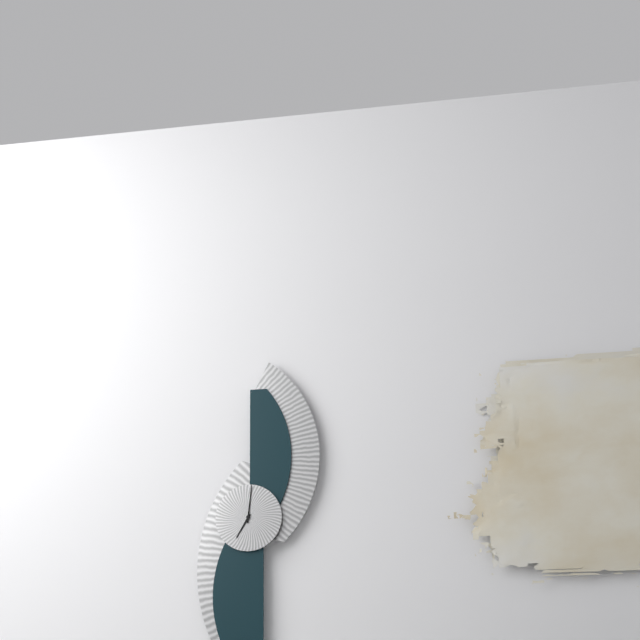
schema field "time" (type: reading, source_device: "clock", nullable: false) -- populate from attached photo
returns 7:01
